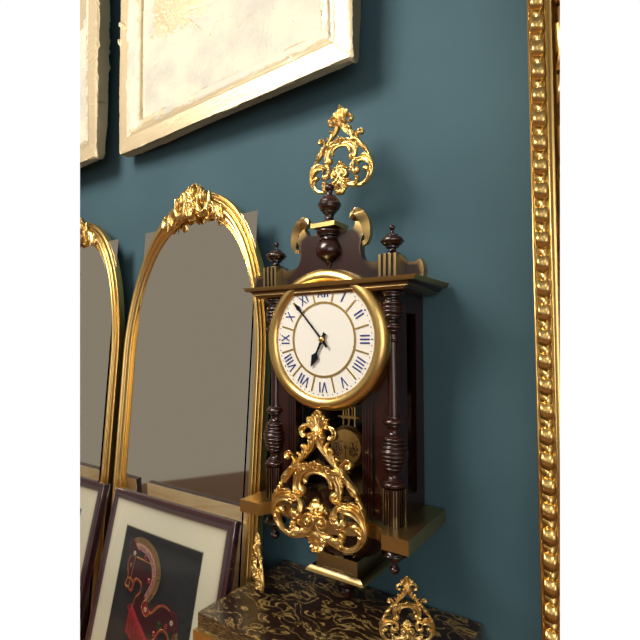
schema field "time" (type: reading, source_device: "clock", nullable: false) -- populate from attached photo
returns 6:53
